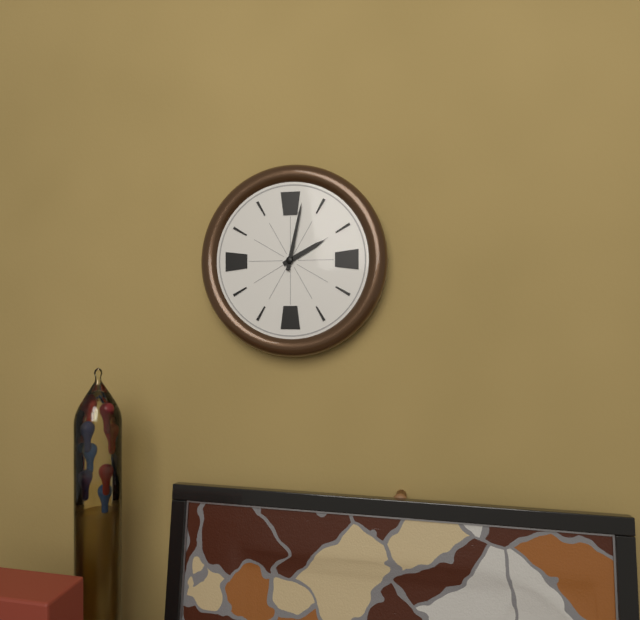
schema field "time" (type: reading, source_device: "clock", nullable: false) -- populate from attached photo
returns 2:02
